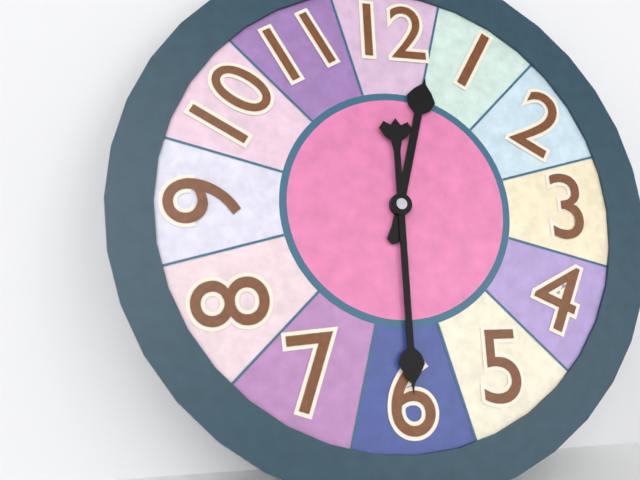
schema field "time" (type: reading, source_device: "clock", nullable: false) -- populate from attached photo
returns 12:30
